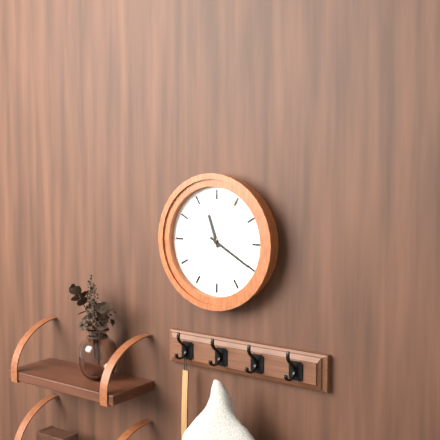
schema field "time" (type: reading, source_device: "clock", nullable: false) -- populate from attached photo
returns 11:20:05
